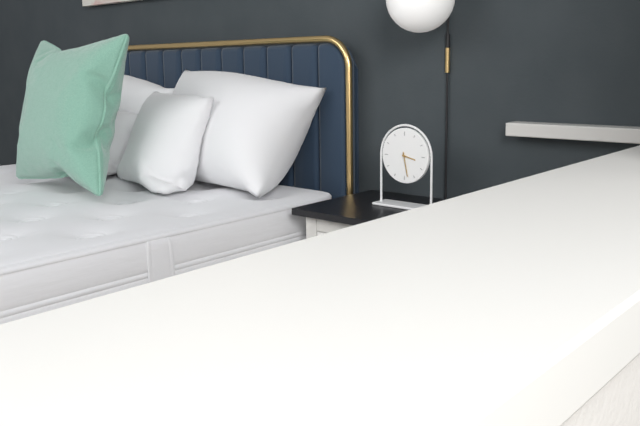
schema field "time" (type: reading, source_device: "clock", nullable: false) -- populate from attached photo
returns 3:28
